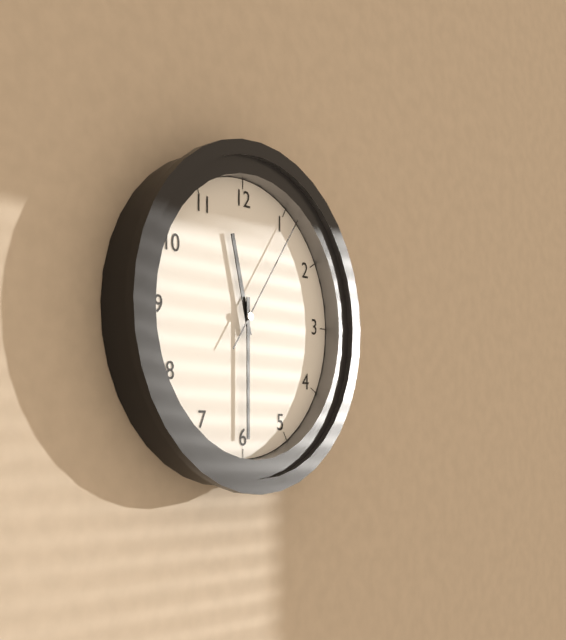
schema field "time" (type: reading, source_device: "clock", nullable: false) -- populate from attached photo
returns 11:30:06
